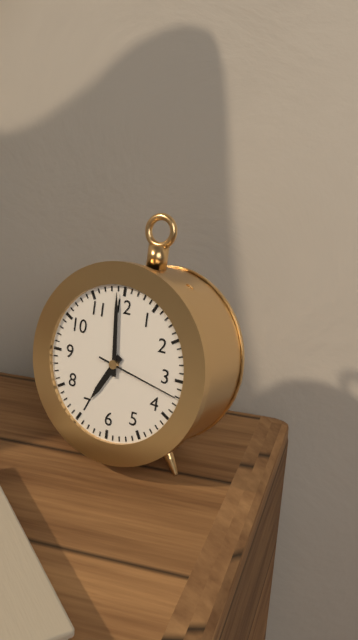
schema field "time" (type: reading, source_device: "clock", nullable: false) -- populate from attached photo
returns 6:59:17
